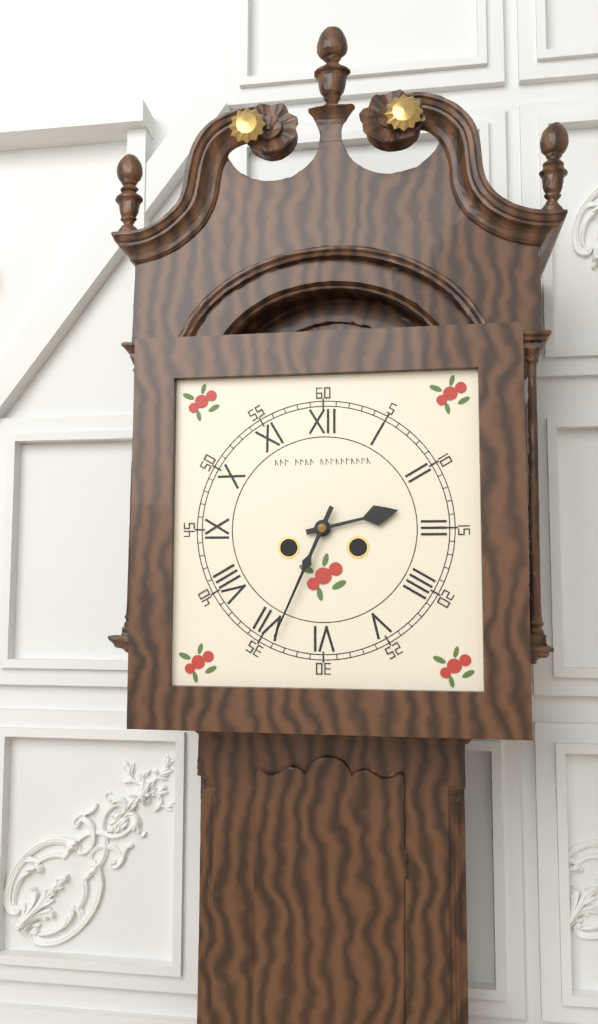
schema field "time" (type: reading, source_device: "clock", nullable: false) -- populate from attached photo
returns 2:34
